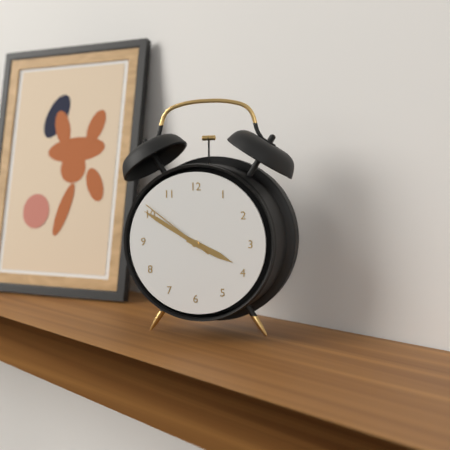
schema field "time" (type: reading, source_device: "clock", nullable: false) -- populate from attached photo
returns 3:50:51
